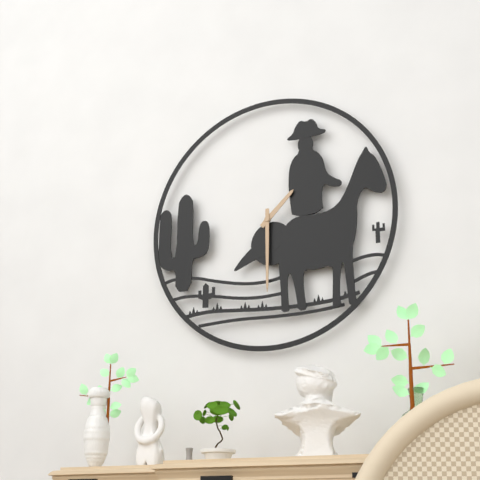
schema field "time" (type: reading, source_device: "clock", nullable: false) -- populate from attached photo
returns 1:30
